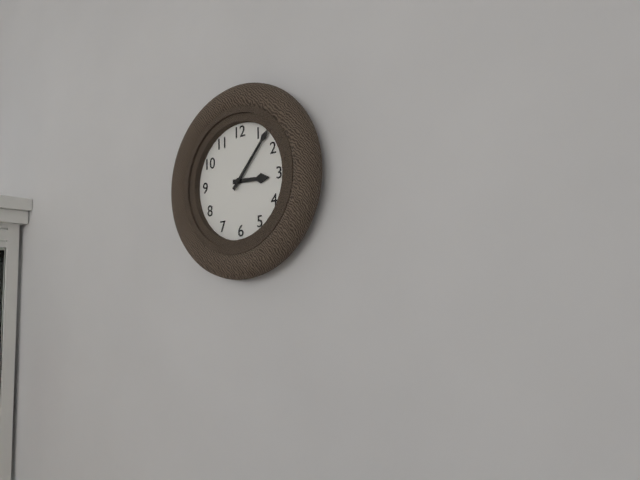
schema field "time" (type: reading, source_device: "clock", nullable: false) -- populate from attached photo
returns 3:07
